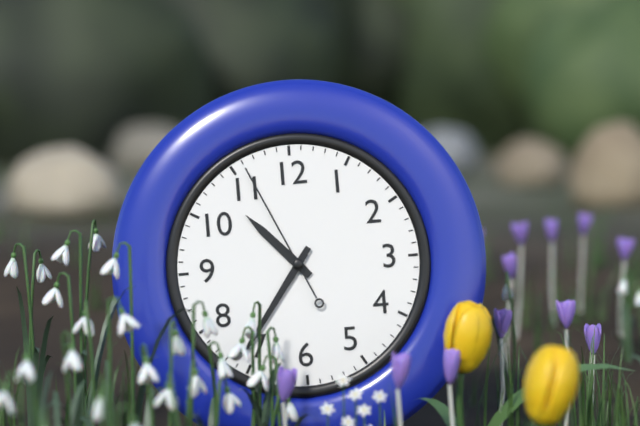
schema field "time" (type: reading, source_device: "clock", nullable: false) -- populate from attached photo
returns 10:36:56
